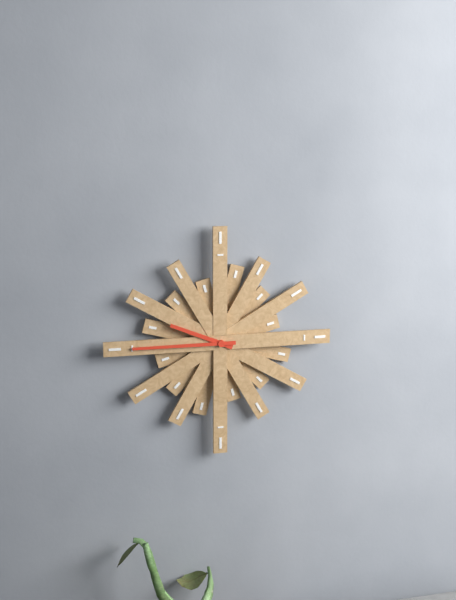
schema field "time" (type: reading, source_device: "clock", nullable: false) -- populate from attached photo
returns 9:45
